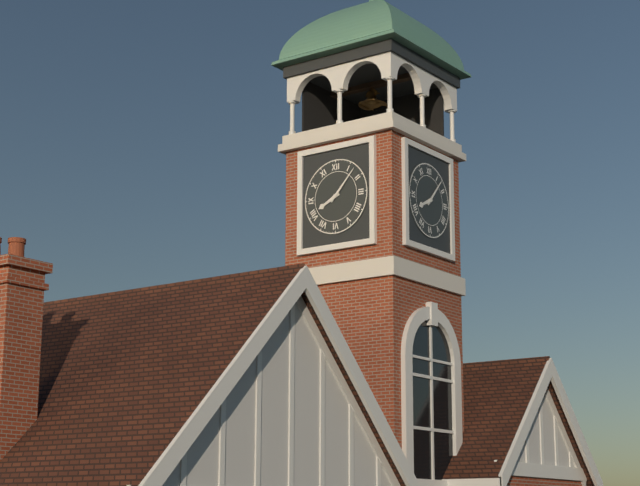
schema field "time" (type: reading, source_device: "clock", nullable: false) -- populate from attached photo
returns 8:07
